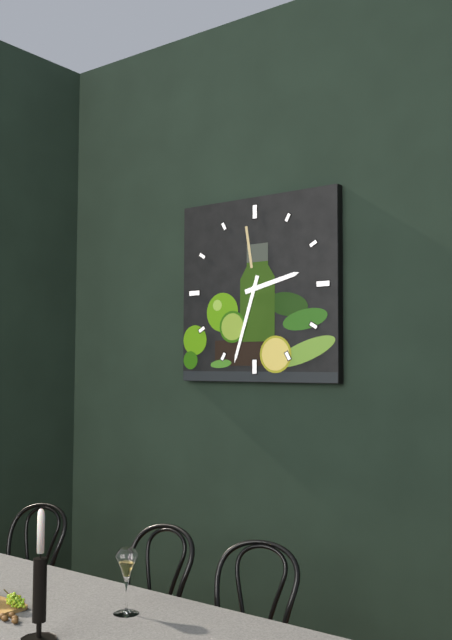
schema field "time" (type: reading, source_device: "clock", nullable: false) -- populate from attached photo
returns 2:33
